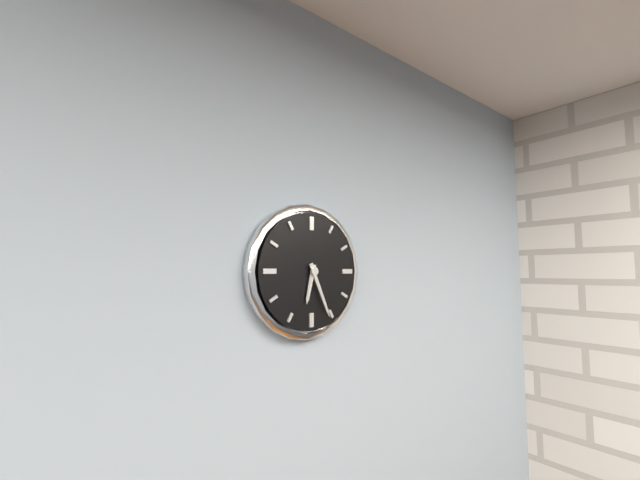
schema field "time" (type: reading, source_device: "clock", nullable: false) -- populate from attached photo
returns 6:26
